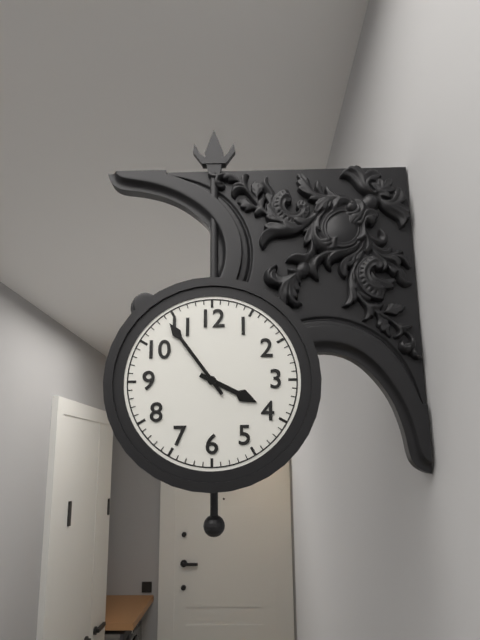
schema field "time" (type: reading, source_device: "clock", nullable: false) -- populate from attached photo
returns 3:54
